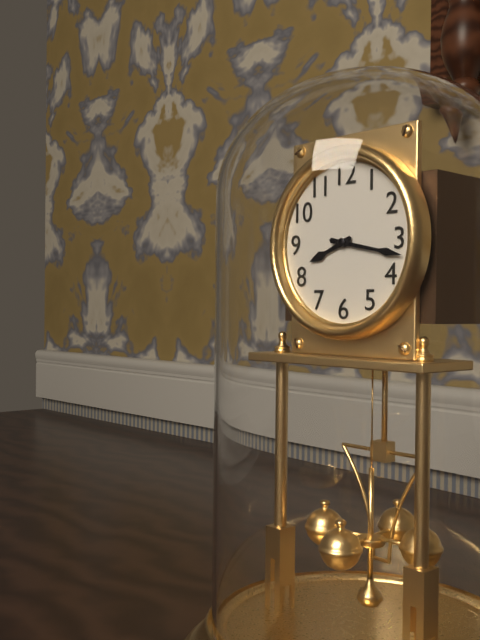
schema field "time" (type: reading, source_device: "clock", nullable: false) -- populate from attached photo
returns 8:17
